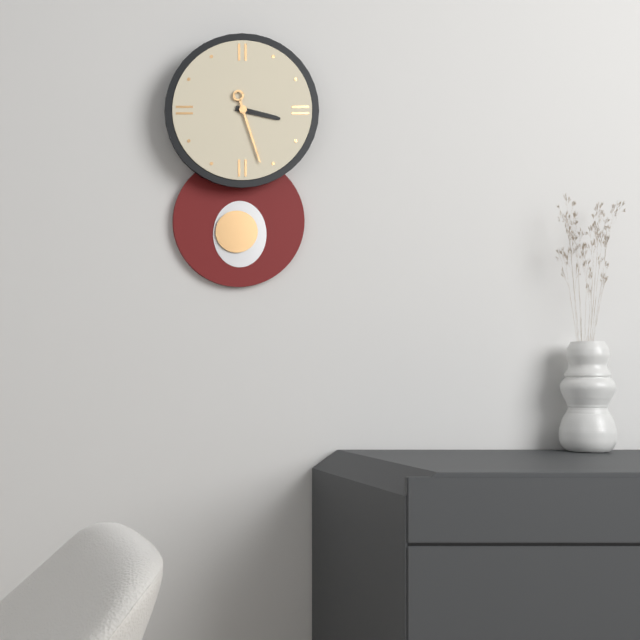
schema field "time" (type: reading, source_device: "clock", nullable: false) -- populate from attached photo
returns 3:27
